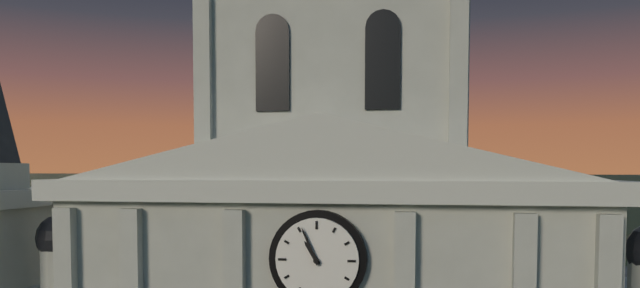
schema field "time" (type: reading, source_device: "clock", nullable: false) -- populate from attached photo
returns 10:56
